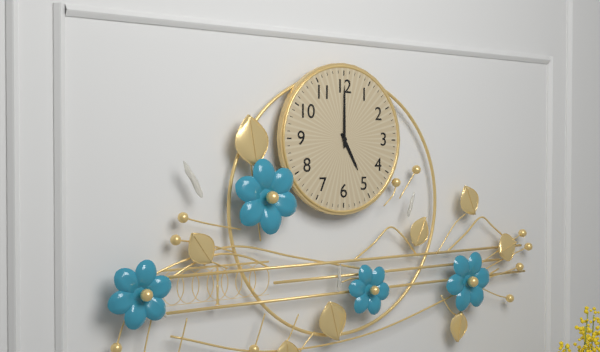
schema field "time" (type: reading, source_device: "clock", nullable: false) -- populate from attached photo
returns 5:00
